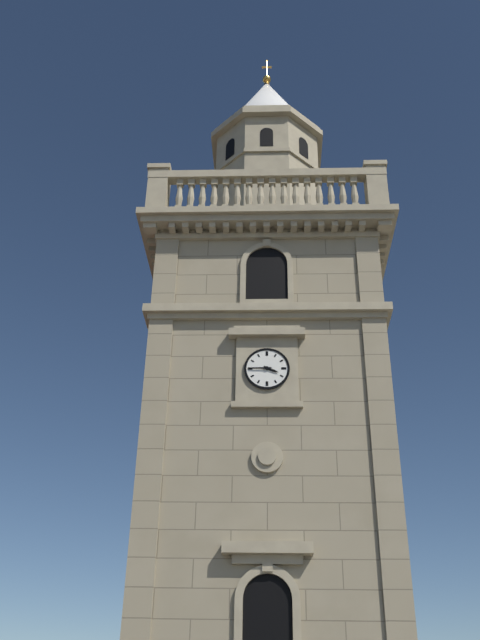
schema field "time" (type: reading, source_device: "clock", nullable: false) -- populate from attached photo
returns 3:45
